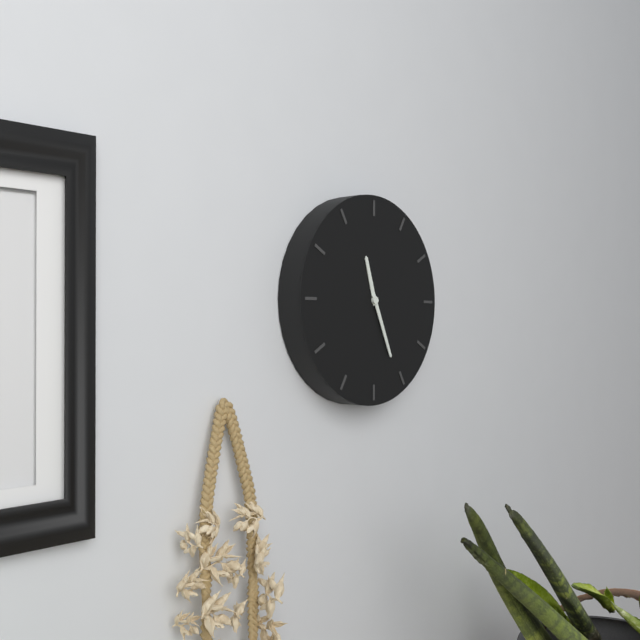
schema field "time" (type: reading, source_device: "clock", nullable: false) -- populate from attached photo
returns 11:26
